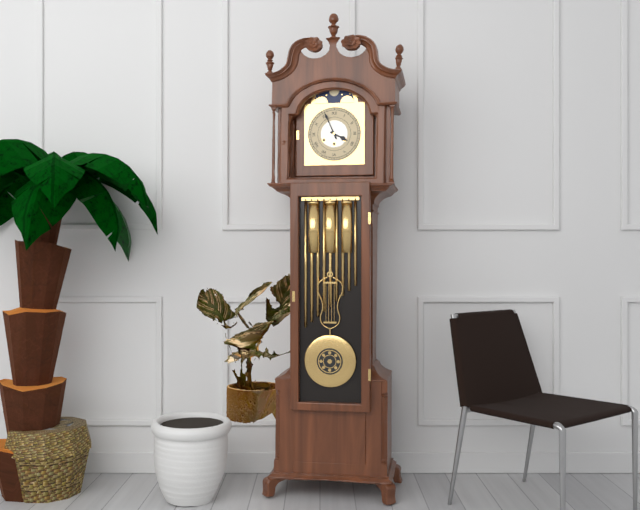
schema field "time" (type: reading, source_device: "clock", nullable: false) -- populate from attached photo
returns 3:56
